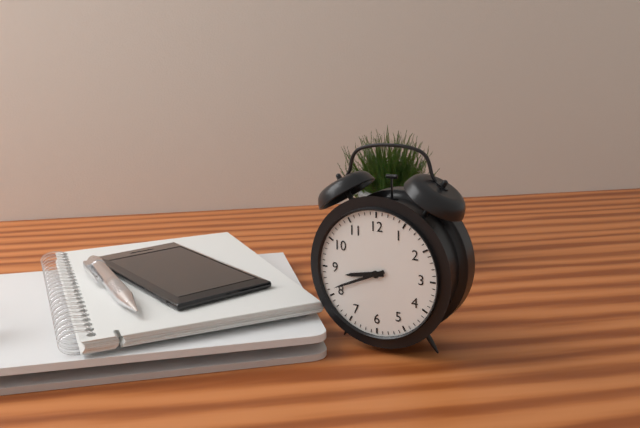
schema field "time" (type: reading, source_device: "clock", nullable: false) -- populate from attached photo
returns 8:41
